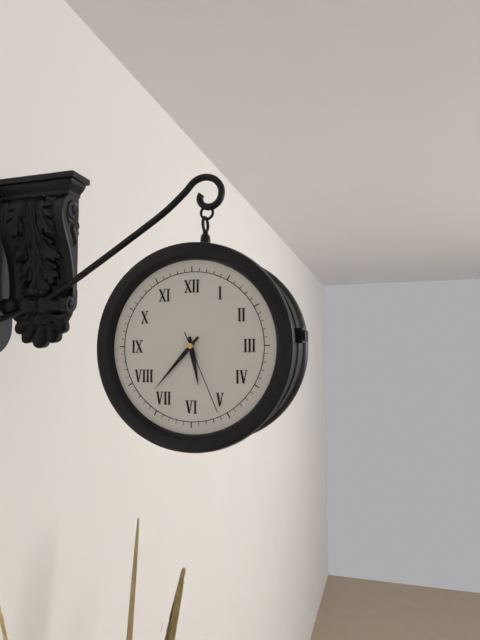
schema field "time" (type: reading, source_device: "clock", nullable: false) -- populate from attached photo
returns 5:37:26
